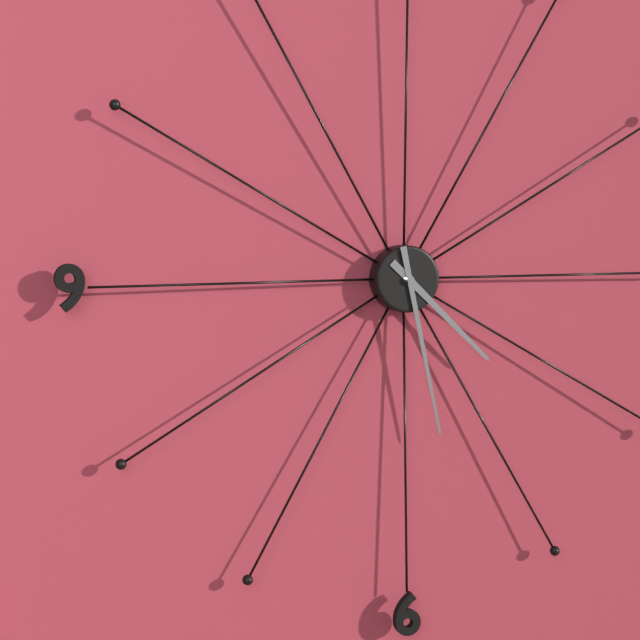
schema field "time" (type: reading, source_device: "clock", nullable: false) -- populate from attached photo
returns 4:28
